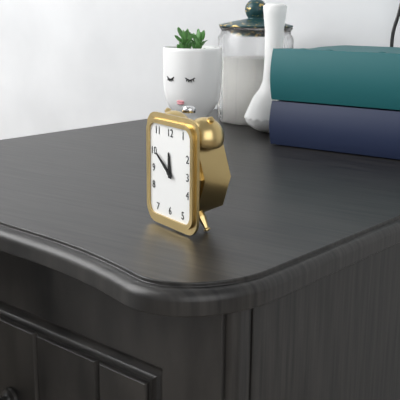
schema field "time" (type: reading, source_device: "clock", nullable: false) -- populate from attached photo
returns 11:51
